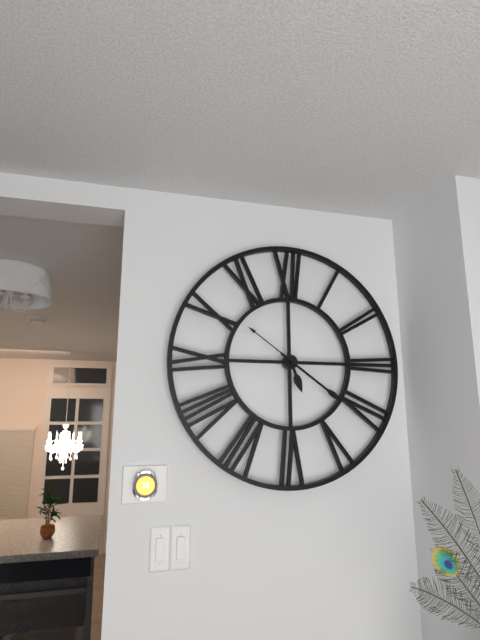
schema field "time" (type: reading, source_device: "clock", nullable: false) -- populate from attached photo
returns 5:21:51
